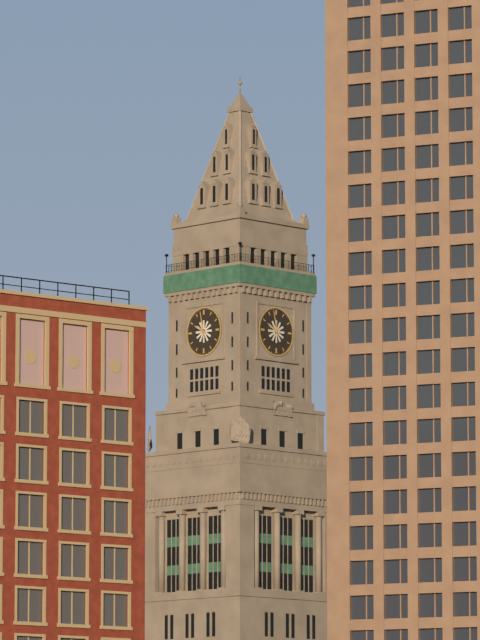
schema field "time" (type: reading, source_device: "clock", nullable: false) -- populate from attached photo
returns 9:58
